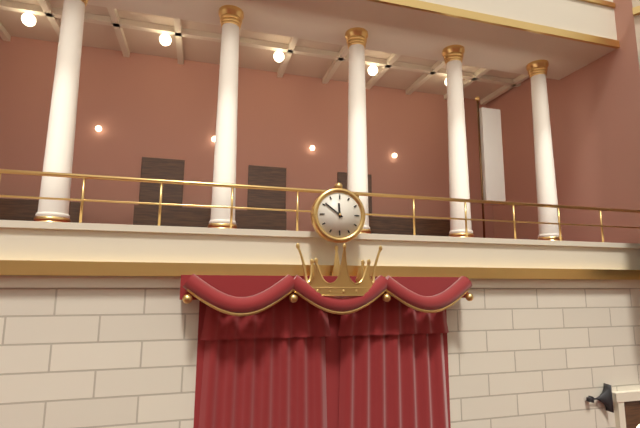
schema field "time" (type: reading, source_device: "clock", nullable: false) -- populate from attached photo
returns 11:51
